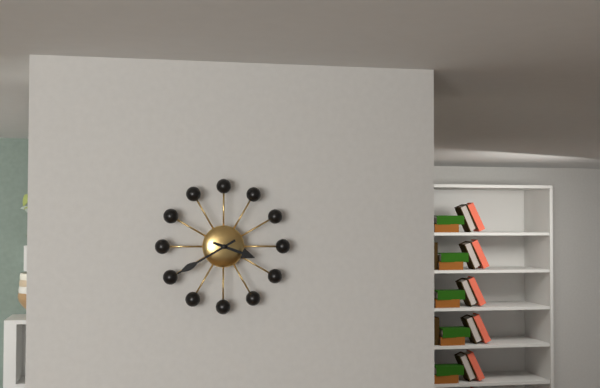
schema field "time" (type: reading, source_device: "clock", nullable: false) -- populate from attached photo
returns 3:40
